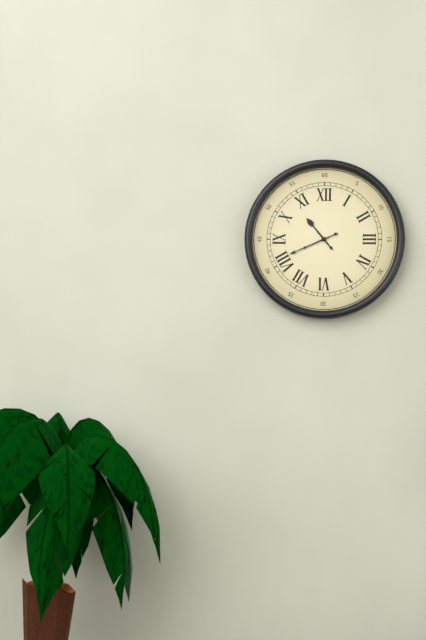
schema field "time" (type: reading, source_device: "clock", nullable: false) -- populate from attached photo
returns 10:41
